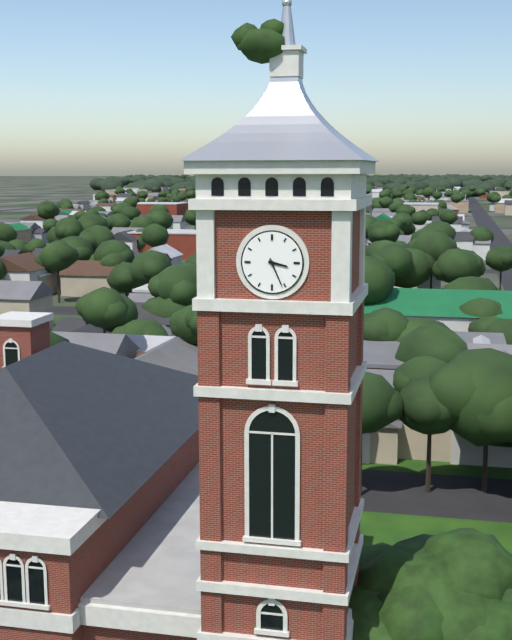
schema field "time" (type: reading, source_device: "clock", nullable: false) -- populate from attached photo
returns 3:26
